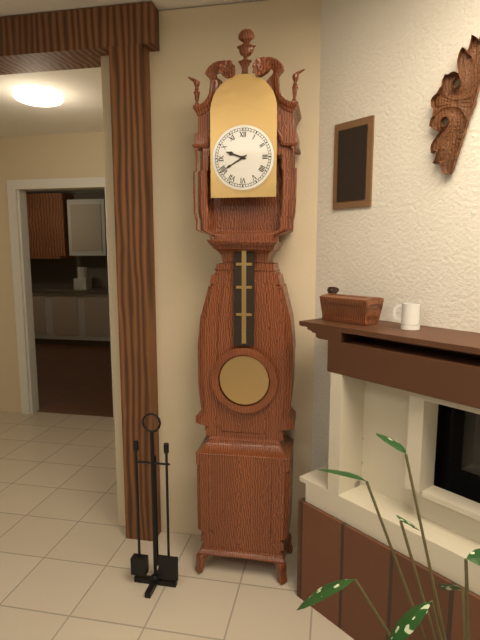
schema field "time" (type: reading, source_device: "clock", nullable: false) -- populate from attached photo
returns 9:40
